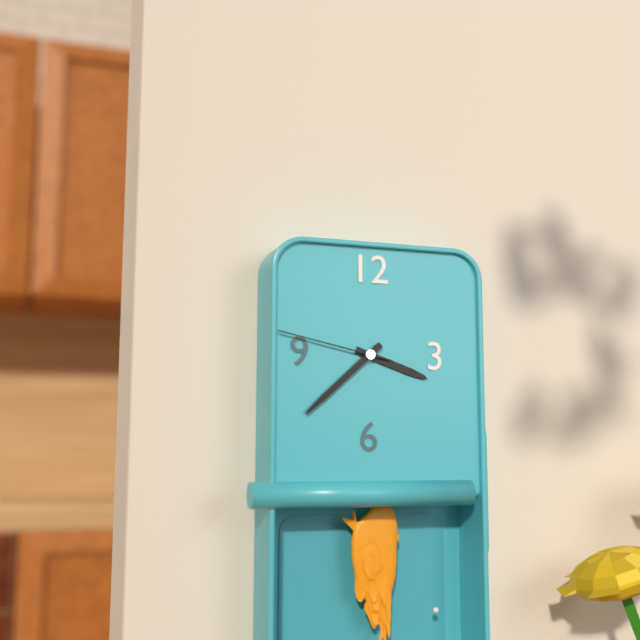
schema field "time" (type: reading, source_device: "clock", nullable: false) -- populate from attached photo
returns 3:38:47
